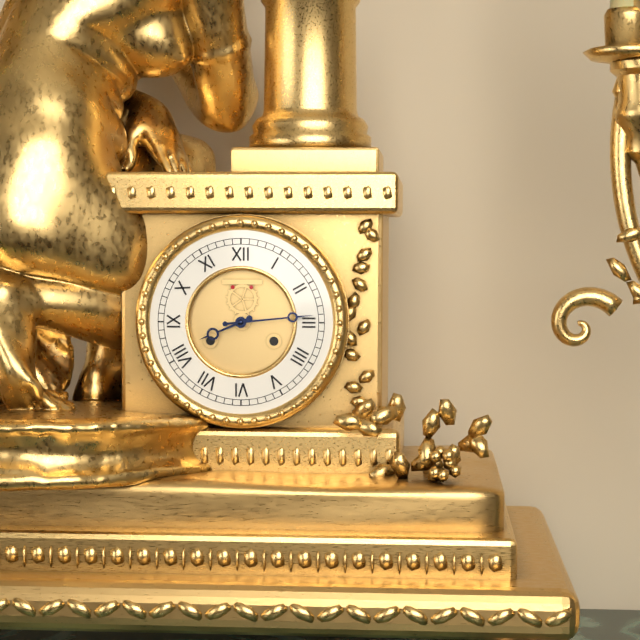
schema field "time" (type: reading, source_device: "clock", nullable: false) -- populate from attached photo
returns 8:14
